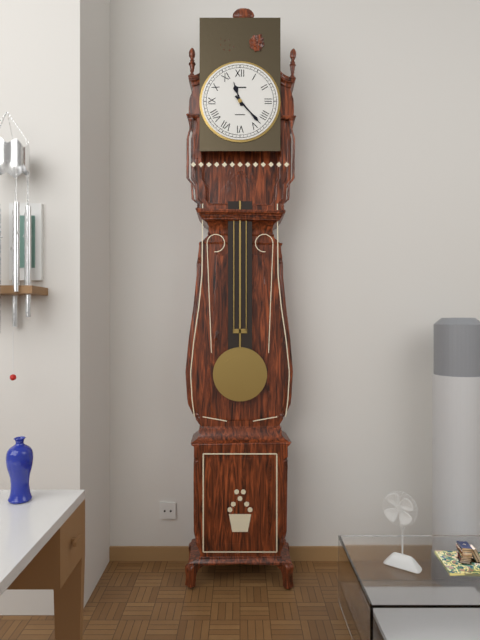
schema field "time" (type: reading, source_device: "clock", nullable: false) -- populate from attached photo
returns 11:23
